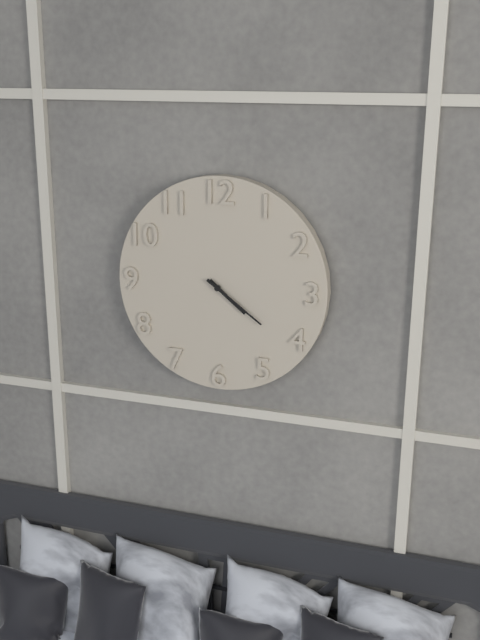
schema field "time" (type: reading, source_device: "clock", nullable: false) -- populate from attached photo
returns 4:21
